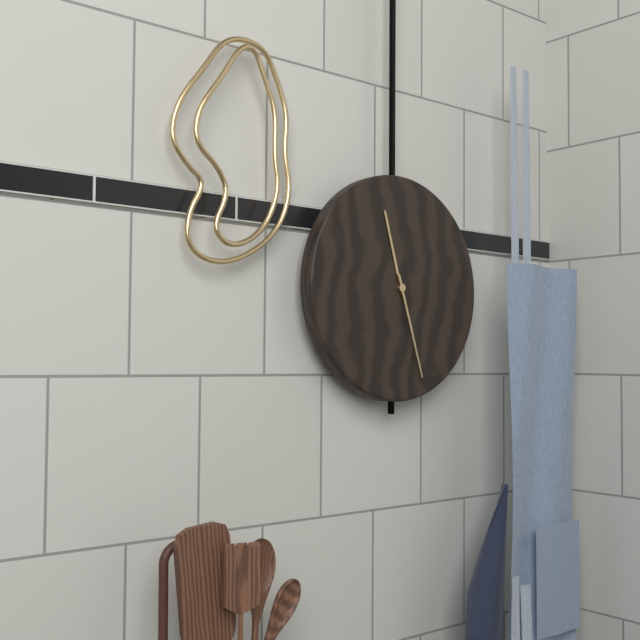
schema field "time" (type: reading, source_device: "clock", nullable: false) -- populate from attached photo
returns 11:27
